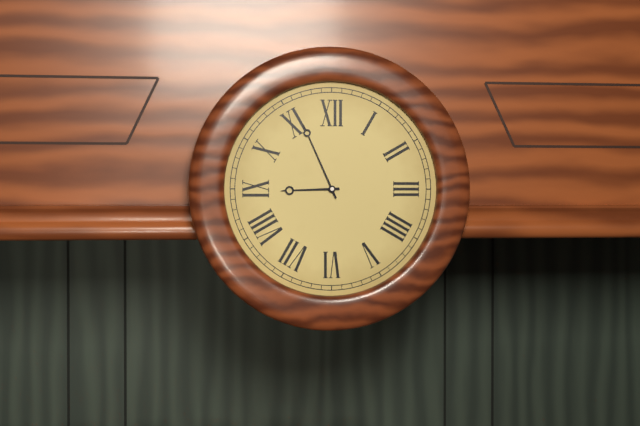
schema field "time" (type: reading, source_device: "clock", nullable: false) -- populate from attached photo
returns 8:56
